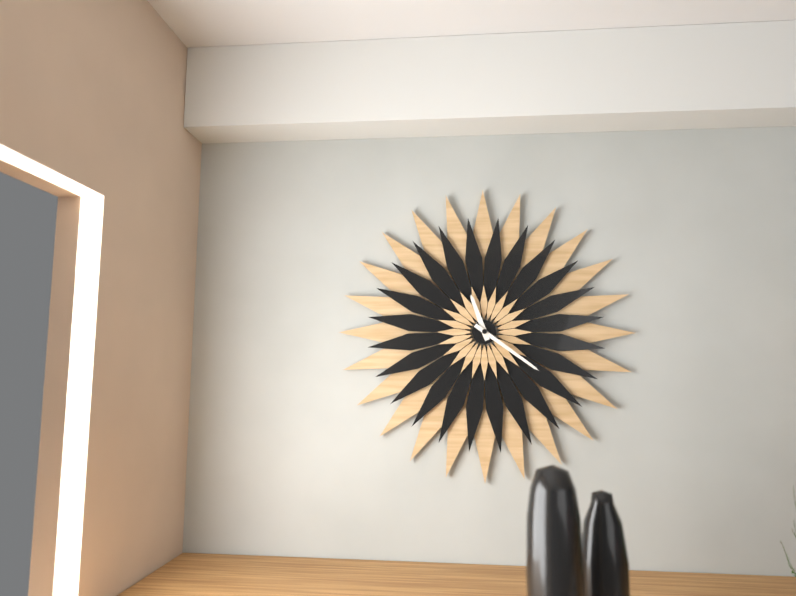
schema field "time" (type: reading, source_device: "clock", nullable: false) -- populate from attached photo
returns 11:21
